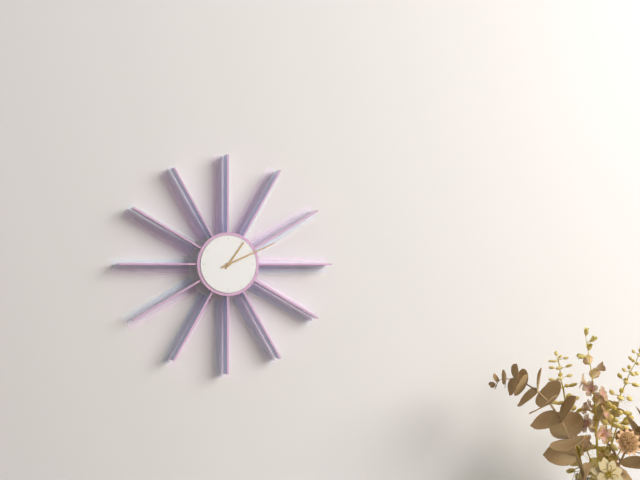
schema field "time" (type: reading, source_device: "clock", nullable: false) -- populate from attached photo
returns 1:11
